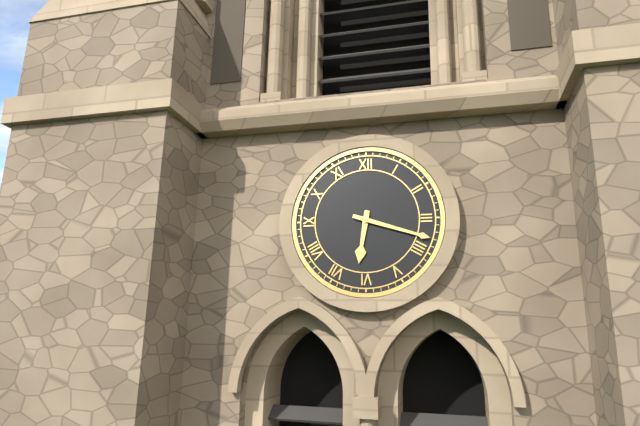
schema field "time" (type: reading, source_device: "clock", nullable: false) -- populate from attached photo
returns 6:18
